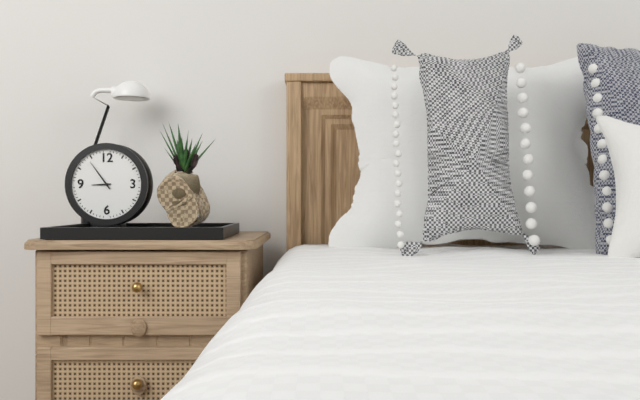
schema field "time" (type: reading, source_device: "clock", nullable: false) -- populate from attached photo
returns 8:54
